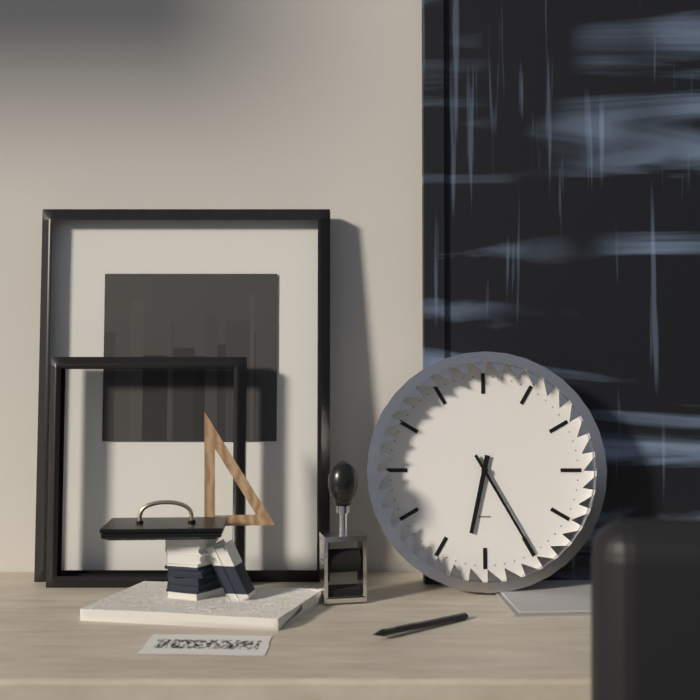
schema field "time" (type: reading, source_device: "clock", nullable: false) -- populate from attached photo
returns 6:25
